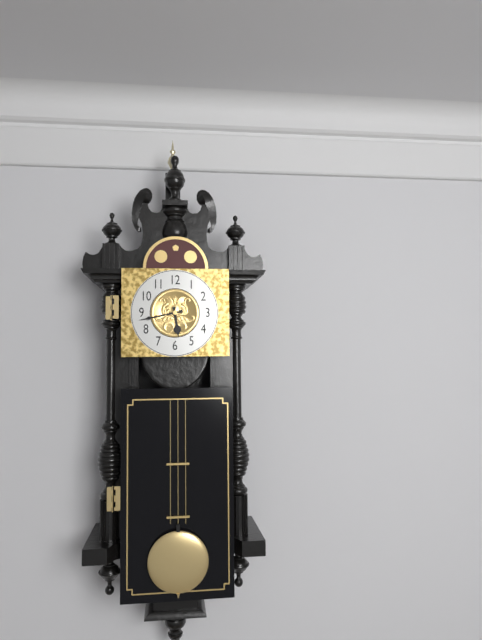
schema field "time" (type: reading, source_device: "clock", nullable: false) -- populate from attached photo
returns 5:43
